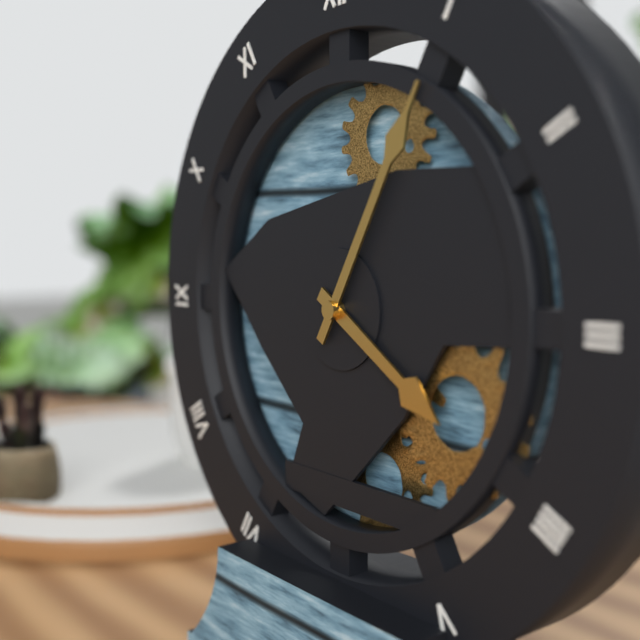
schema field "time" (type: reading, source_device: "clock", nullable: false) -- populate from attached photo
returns 4:05
